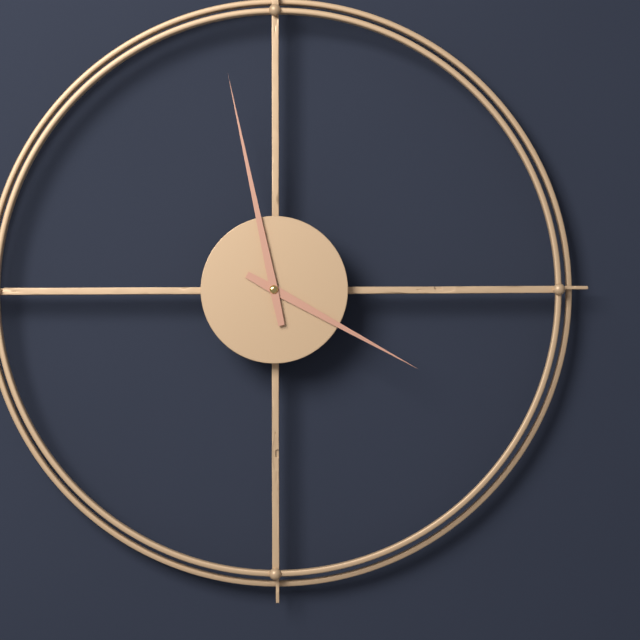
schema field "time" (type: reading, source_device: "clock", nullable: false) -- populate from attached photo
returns 3:58
